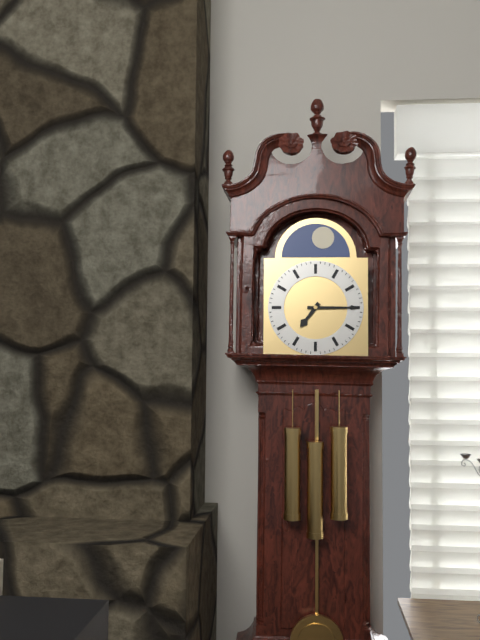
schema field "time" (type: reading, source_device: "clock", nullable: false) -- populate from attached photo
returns 7:15
